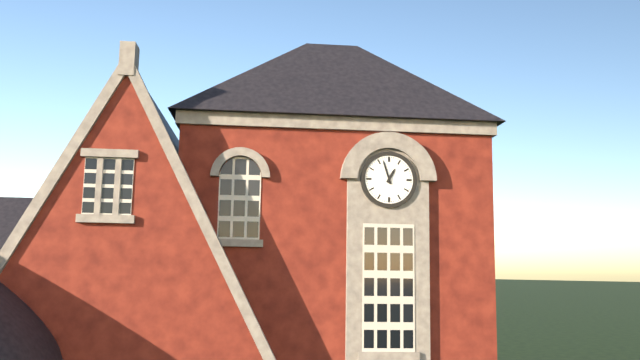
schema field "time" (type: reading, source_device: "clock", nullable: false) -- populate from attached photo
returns 12:57
